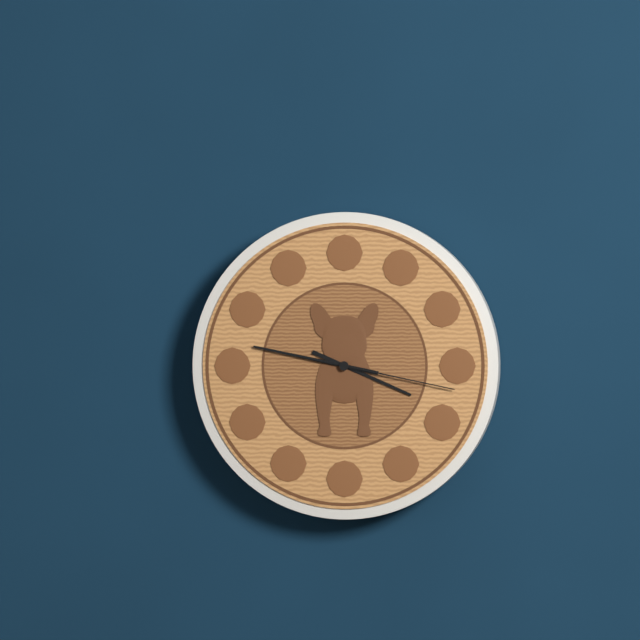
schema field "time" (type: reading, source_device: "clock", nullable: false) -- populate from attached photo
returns 3:47:17
